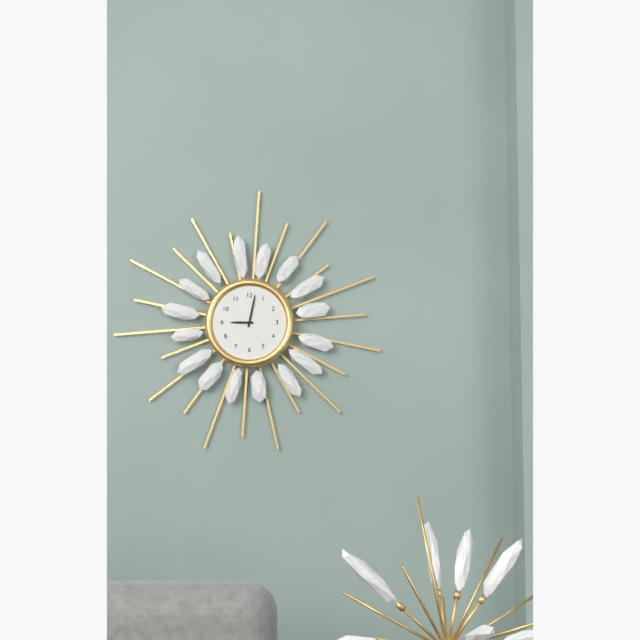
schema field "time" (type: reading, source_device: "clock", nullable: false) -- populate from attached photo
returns 9:02
